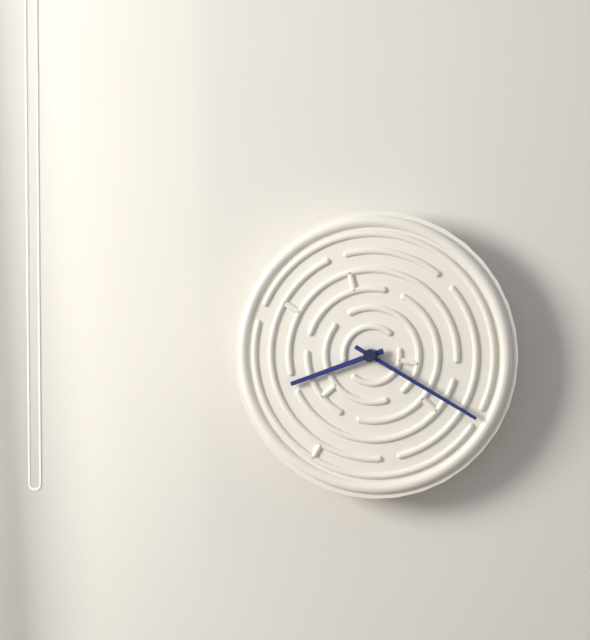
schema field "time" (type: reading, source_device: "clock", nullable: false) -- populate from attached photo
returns 8:20
